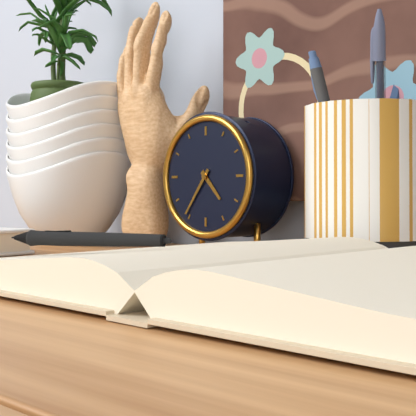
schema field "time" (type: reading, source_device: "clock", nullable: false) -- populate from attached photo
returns 4:36
